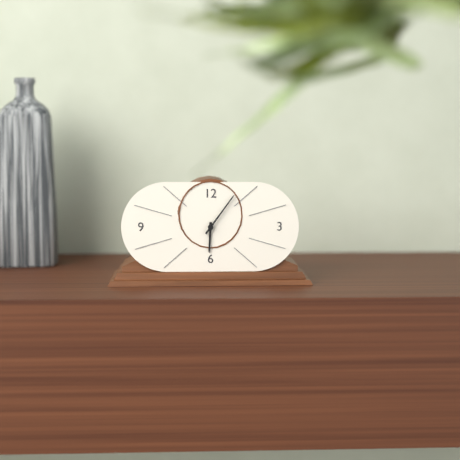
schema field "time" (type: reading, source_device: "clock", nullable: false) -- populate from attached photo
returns 6:06
